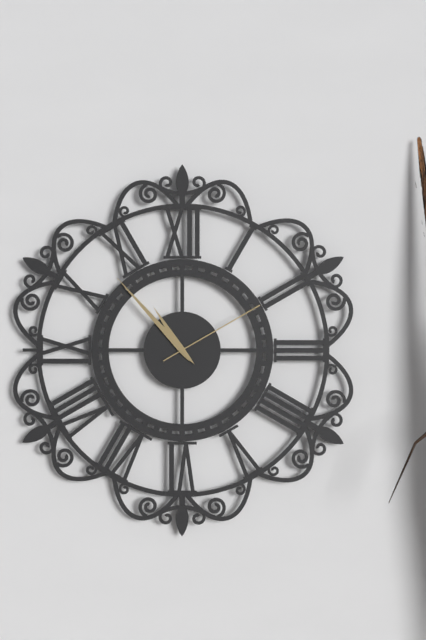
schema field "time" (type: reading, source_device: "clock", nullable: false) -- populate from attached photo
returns 10:53:10
